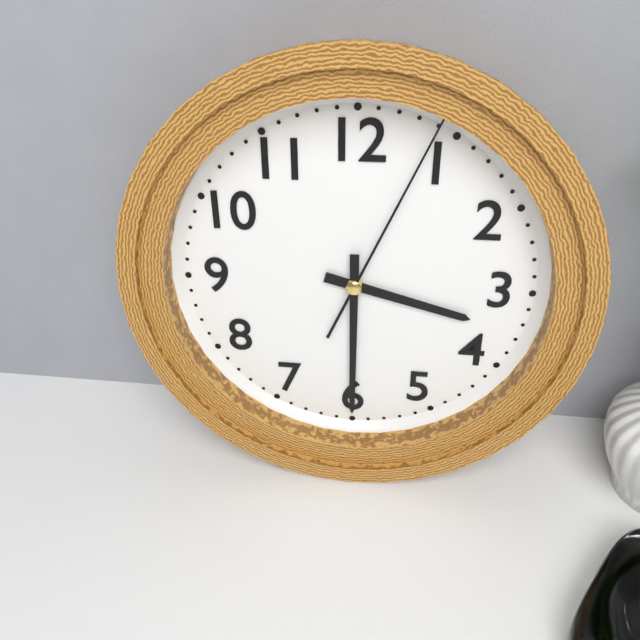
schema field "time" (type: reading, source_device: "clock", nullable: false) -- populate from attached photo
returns 3:30:04
